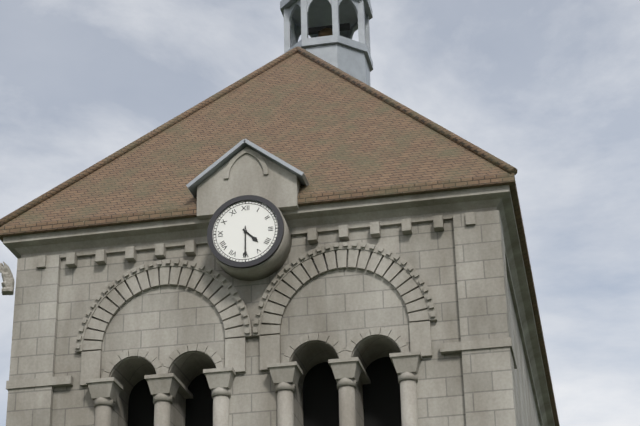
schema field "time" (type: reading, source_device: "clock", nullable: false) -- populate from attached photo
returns 4:30
